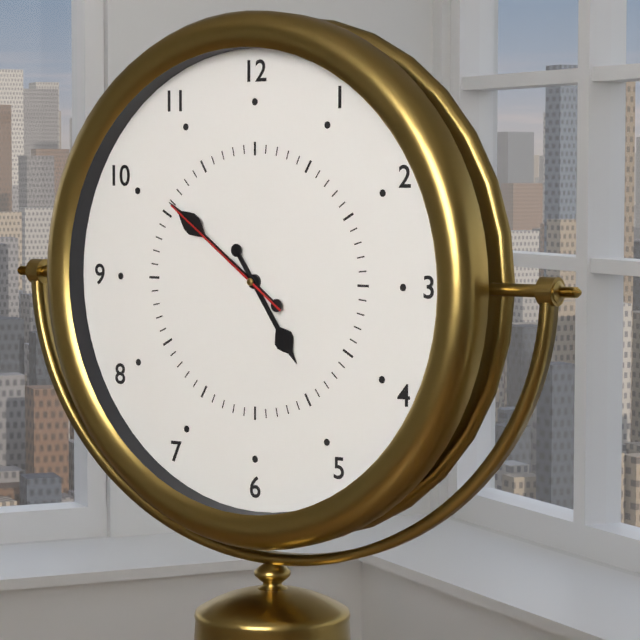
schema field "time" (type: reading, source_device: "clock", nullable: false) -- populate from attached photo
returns 4:51:51
